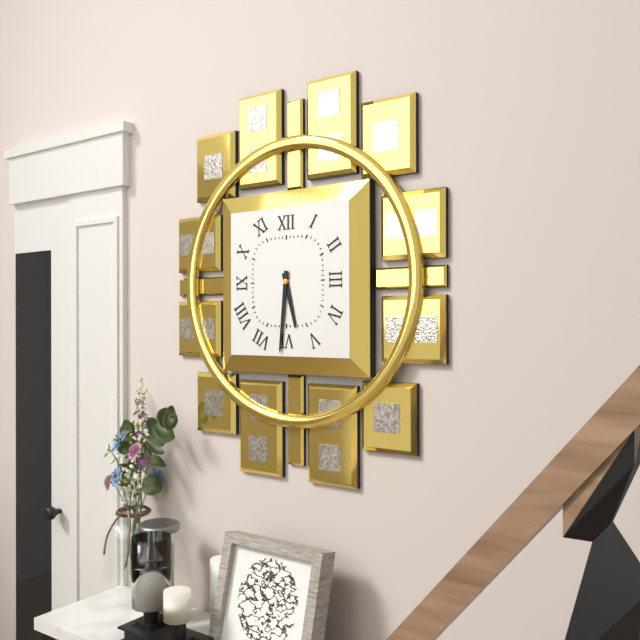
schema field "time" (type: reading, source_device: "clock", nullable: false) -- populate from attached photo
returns 5:31
